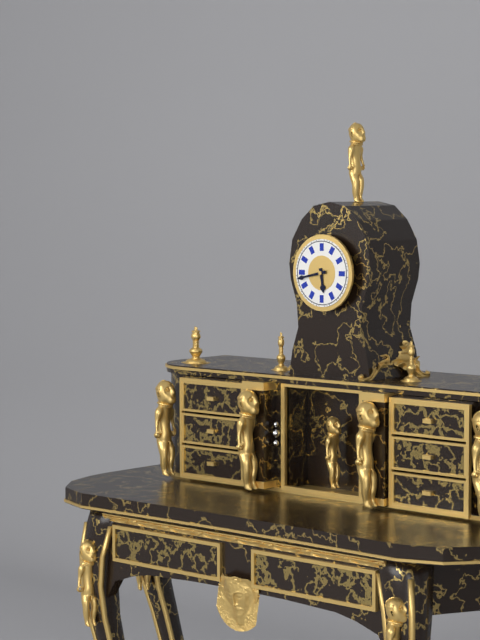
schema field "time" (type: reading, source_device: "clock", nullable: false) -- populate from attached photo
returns 5:43
